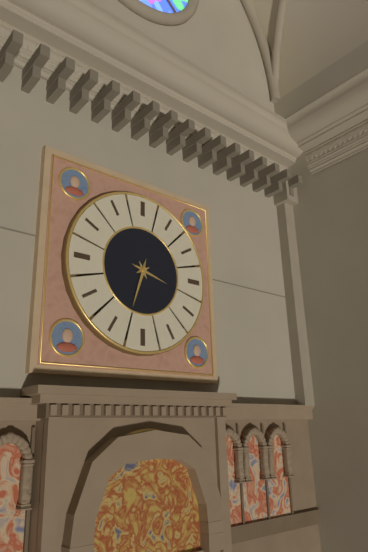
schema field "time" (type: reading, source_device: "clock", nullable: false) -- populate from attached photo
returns 3:33
